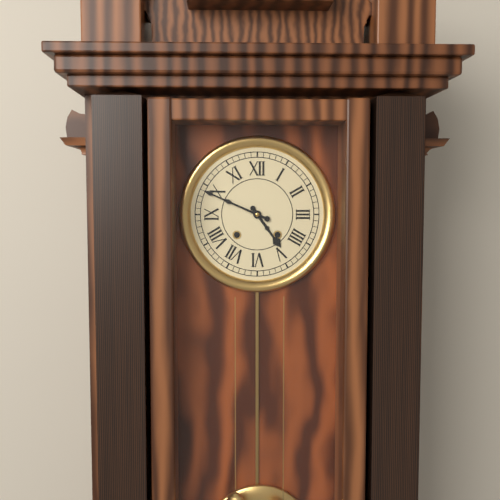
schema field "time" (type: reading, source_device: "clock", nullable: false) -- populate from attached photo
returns 4:49
